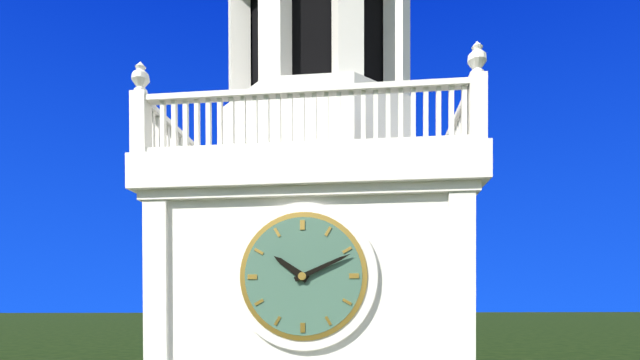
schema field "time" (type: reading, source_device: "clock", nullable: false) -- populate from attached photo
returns 10:11
